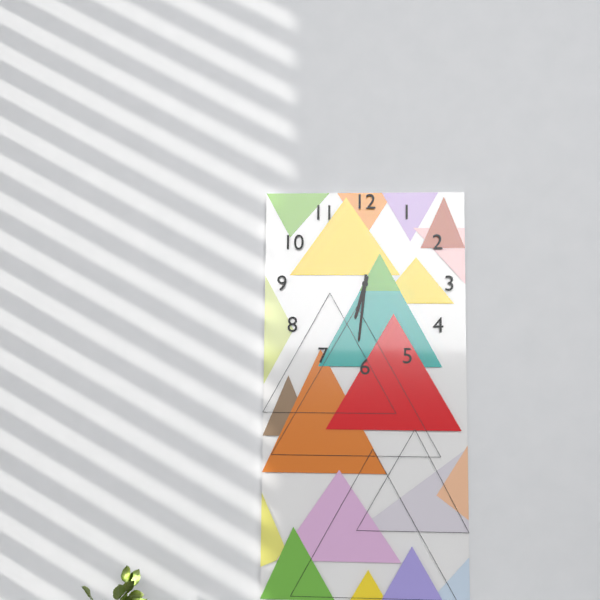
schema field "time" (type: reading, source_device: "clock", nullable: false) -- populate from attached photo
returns 6:31
